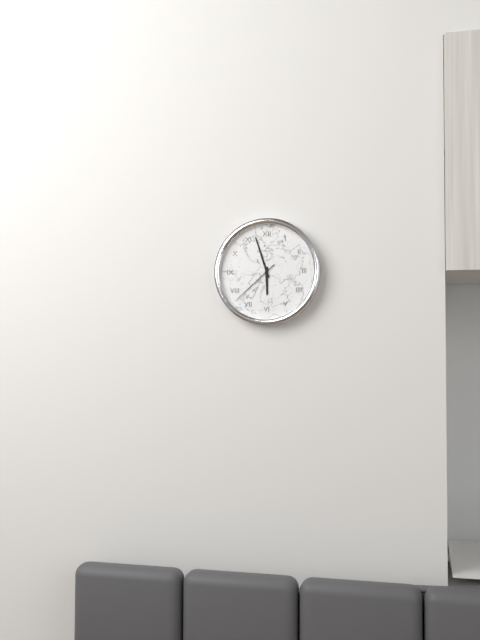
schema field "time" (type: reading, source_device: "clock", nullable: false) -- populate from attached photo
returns 5:57:38
